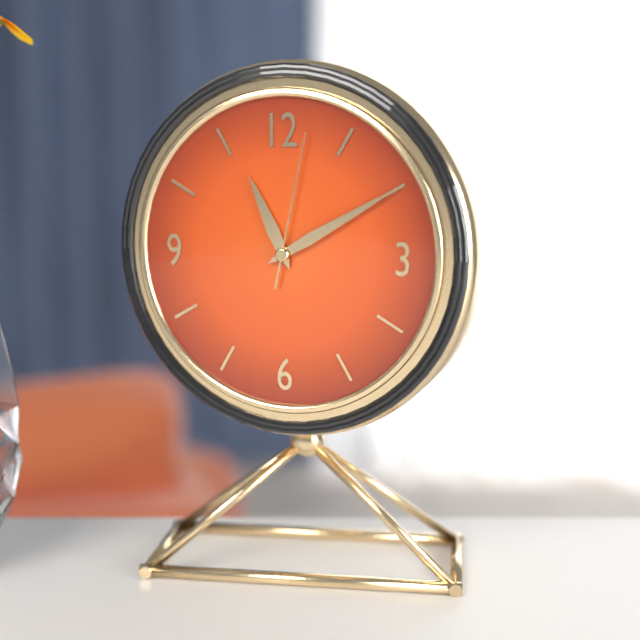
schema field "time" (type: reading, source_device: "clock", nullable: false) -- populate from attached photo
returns 11:10:02
